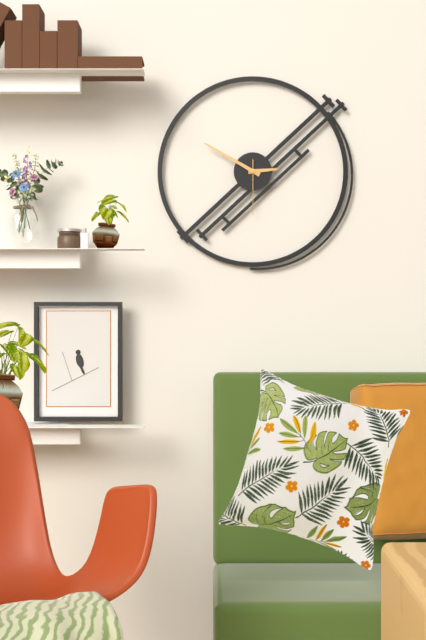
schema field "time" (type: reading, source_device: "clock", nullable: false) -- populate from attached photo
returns 2:50:30
